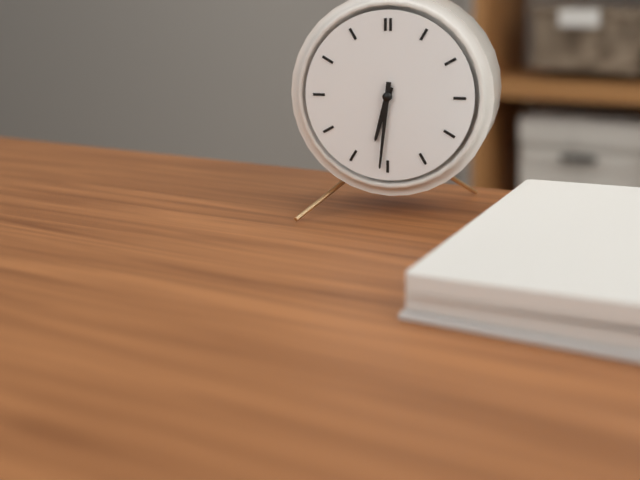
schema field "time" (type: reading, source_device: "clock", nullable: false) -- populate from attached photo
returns 6:31
